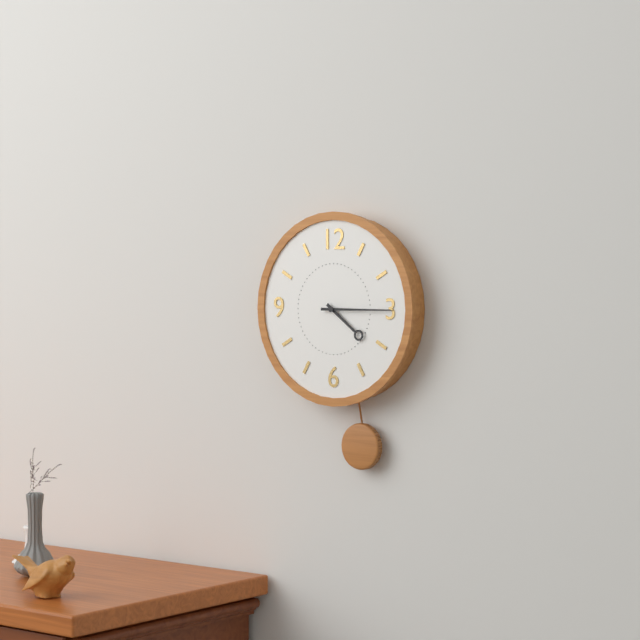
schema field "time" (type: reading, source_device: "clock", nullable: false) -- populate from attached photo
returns 4:15
